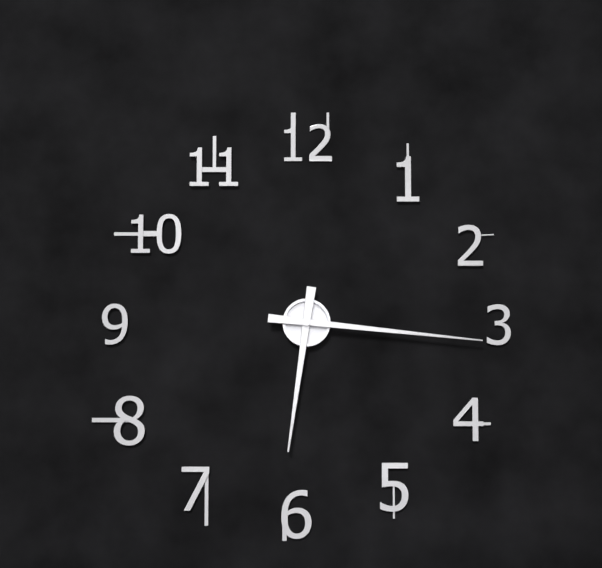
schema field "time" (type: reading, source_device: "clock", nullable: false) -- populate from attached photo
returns 6:16
